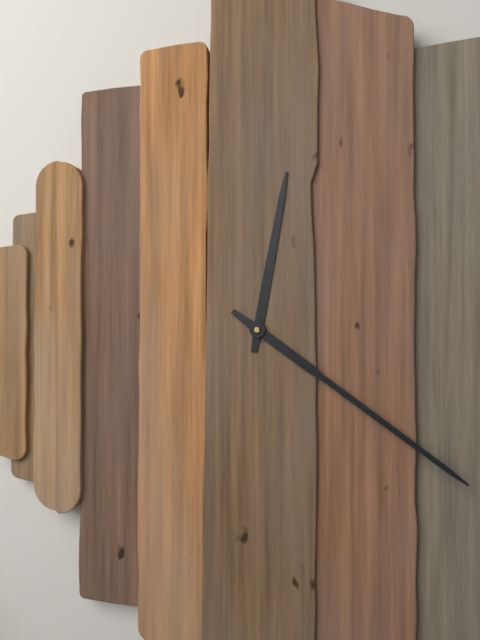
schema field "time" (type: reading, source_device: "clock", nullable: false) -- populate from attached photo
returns 12:21
